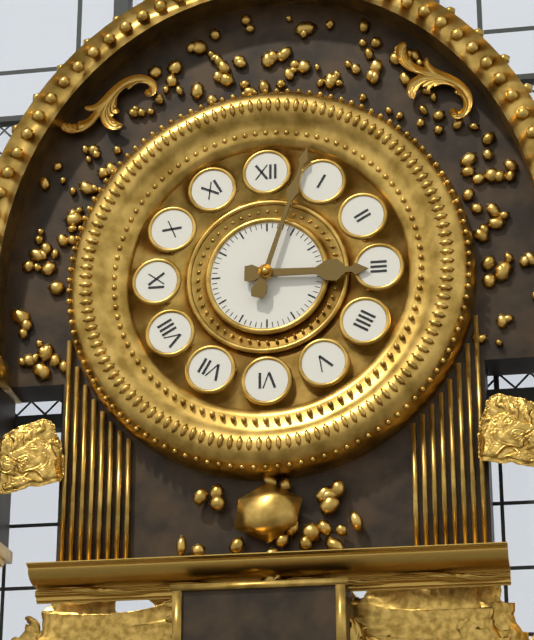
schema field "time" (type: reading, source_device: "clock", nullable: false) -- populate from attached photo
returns 3:03
